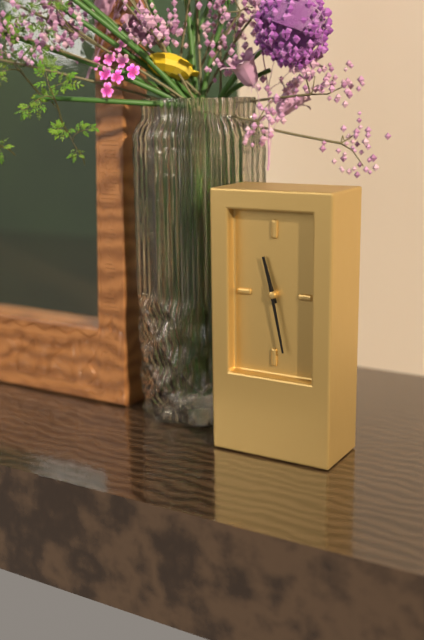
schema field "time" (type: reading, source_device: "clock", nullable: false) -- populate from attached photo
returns 11:28
